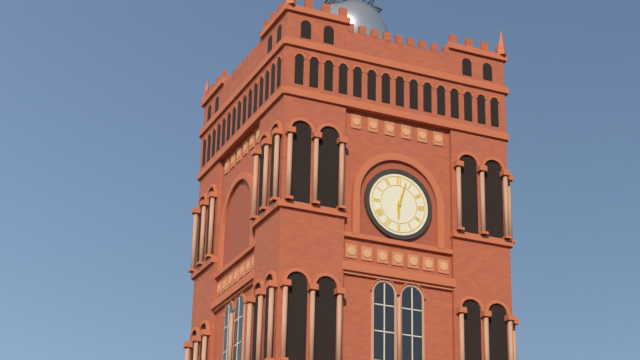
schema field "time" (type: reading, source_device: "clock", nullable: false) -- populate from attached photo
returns 6:03
